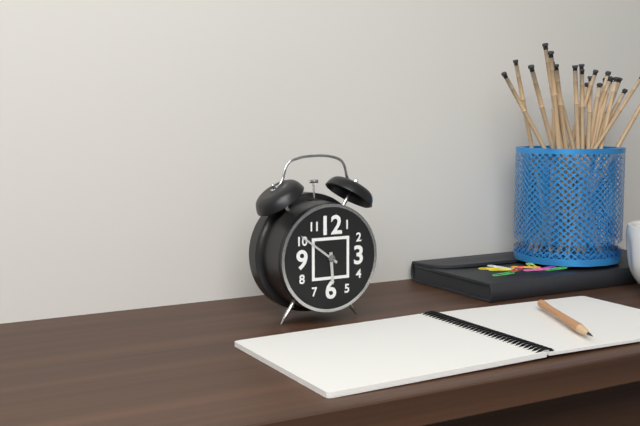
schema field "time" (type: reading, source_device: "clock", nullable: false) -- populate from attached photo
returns 5:51
